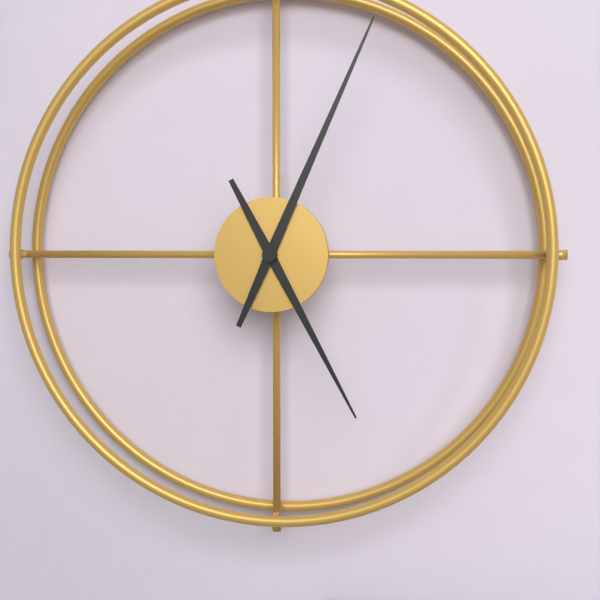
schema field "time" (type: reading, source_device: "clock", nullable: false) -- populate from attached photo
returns 5:04
